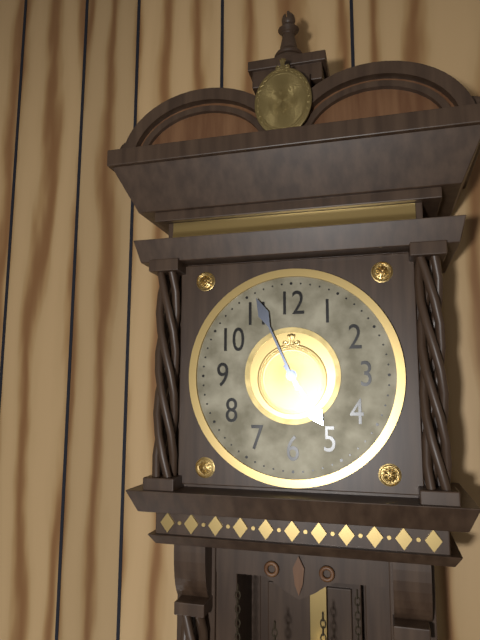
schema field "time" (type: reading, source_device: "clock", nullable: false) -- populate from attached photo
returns 4:56
